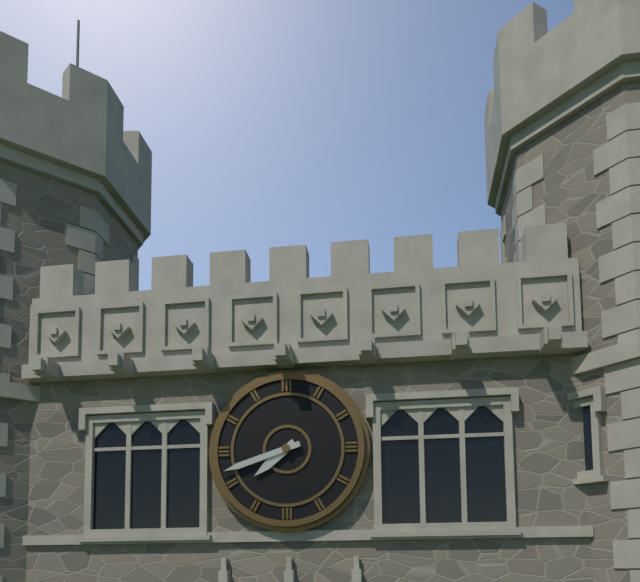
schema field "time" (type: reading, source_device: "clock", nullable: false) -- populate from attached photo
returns 7:42
